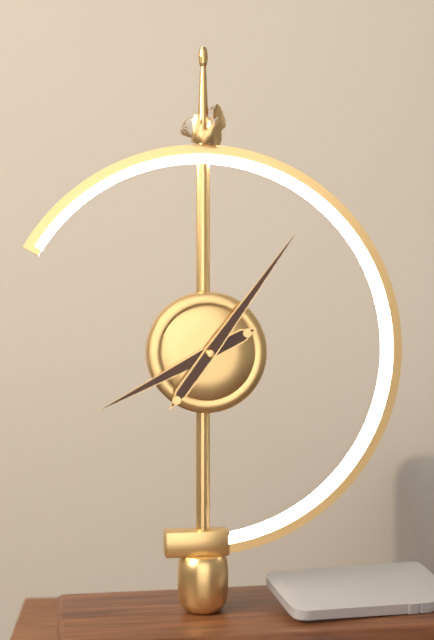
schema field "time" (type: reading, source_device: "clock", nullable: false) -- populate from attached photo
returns 8:06
